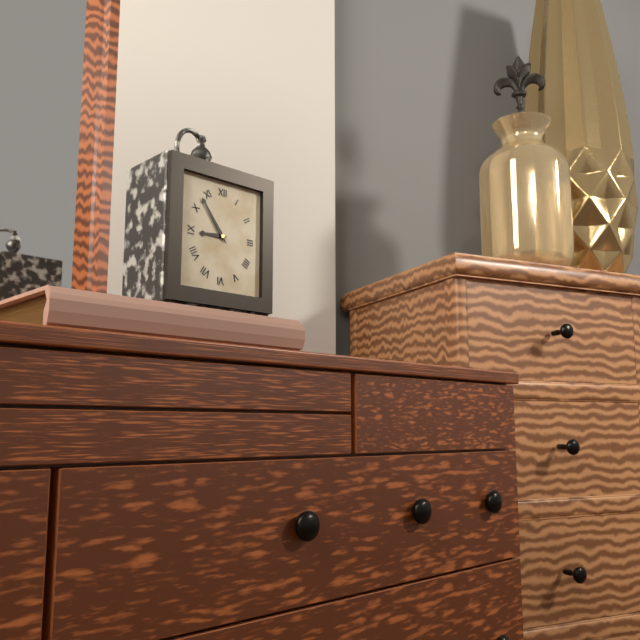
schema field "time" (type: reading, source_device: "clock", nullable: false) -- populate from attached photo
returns 8:54
